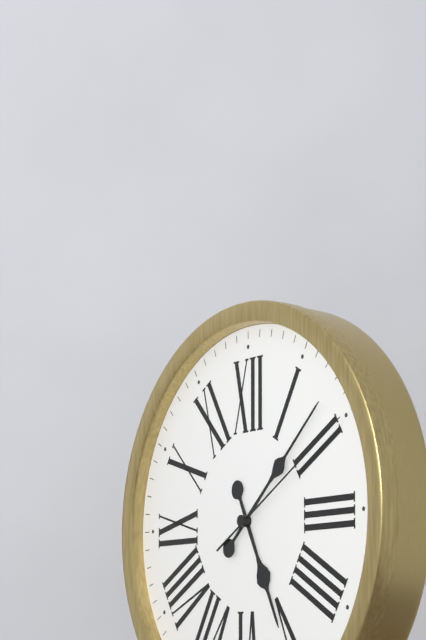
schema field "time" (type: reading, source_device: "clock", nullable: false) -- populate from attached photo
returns 5:08:10
